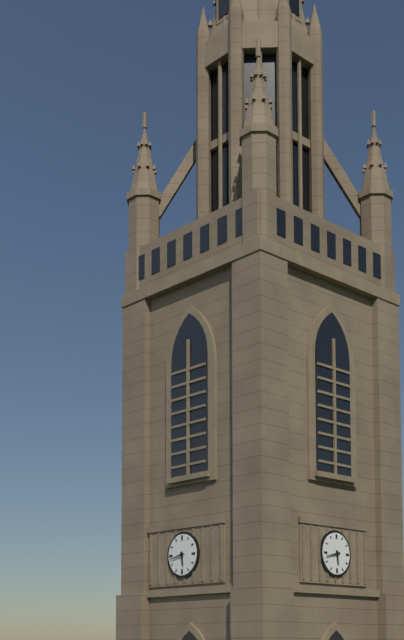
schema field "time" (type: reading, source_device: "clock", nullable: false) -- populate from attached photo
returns 5:43
